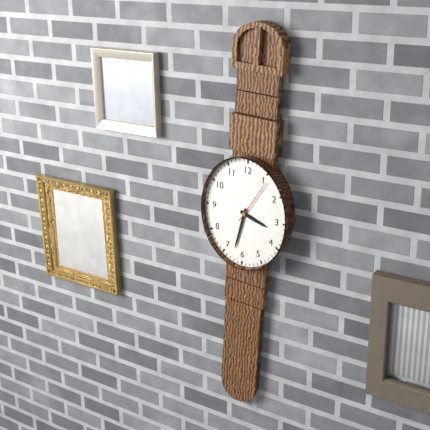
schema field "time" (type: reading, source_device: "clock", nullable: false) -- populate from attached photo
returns 3:32
